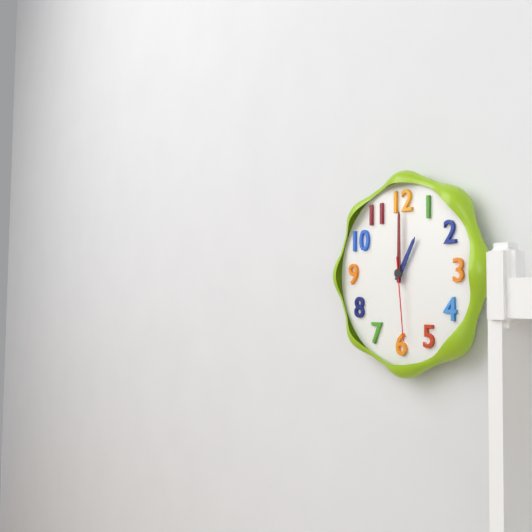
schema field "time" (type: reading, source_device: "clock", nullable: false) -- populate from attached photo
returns 1:00:29
